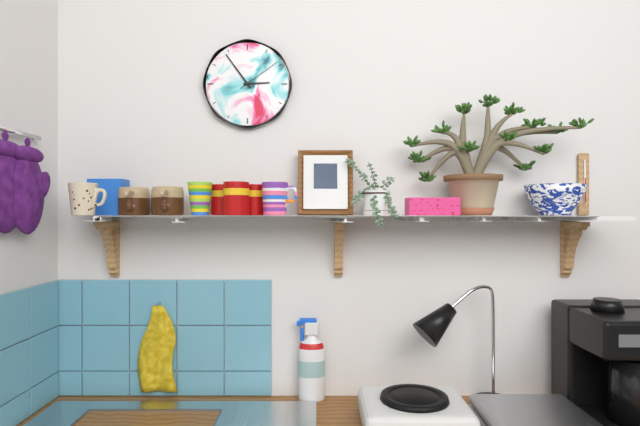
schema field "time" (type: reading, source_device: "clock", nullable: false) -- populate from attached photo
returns 2:54
